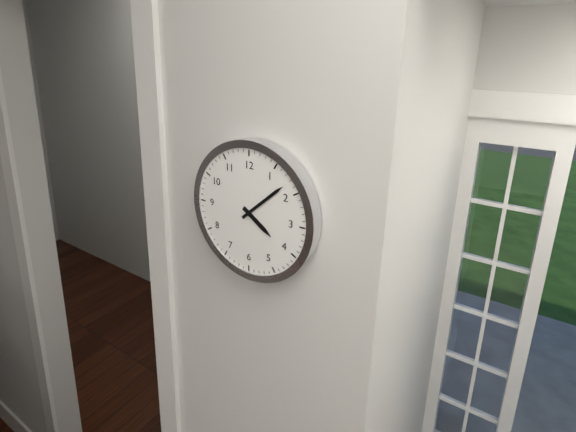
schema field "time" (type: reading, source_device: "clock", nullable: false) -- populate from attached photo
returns 4:08
